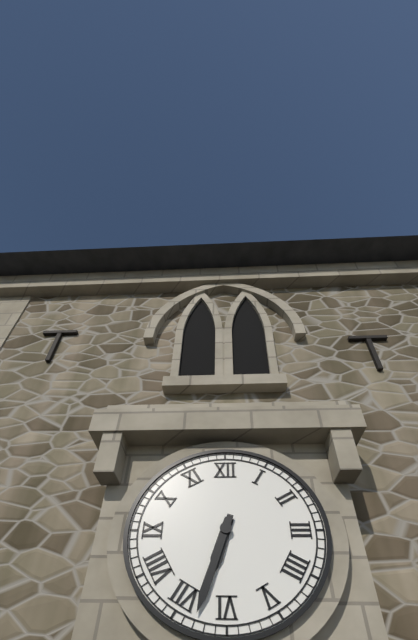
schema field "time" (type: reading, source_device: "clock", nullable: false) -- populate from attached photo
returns 6:33
